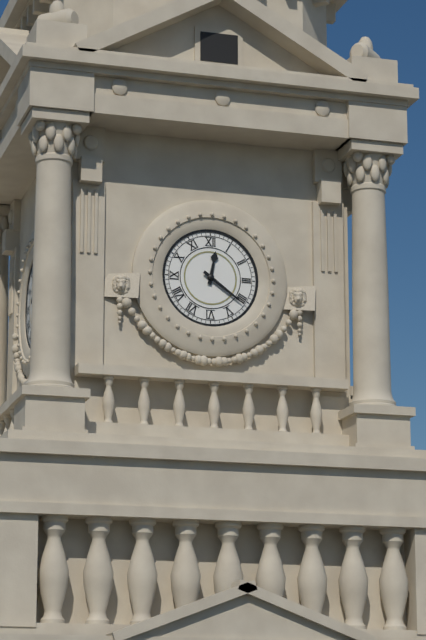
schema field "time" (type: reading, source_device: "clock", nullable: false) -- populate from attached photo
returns 12:21
